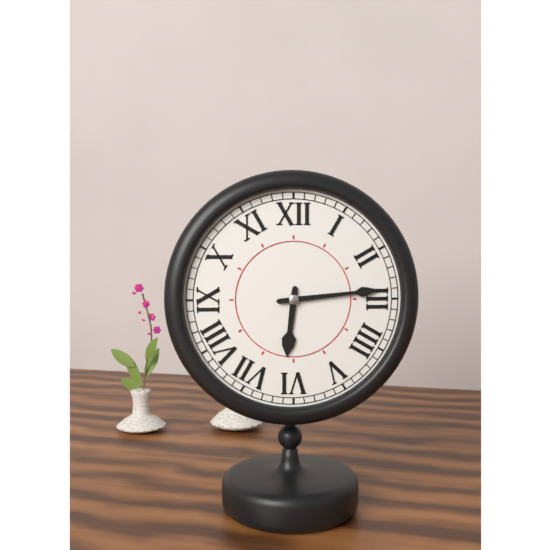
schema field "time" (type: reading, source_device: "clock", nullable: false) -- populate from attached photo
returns 6:14
